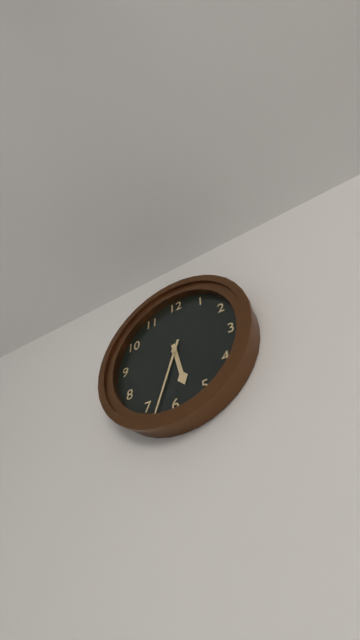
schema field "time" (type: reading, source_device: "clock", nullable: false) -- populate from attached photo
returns 5:33
